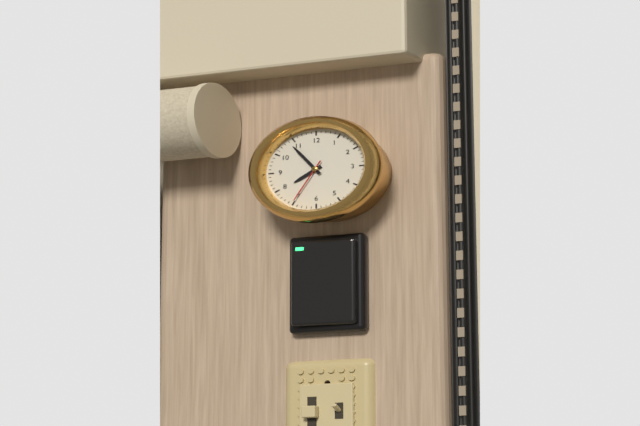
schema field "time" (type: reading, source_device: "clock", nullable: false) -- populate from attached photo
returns 7:54
